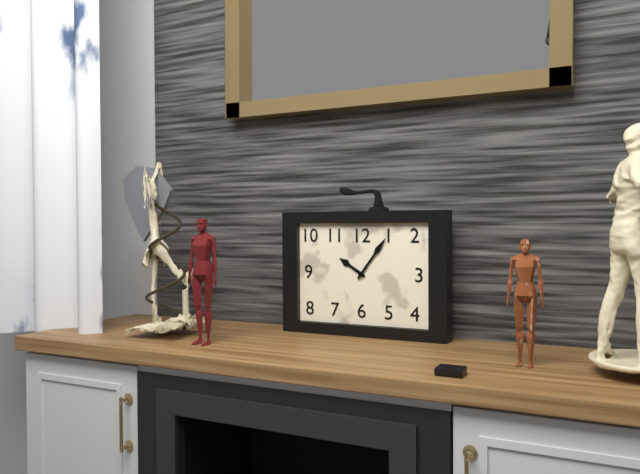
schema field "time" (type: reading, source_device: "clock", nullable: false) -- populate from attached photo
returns 10:06
